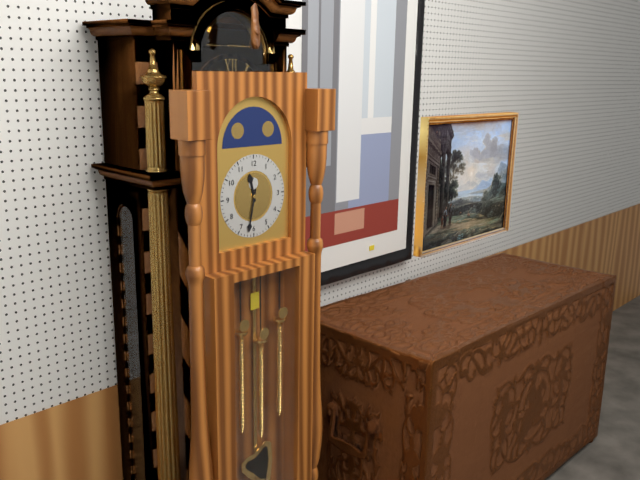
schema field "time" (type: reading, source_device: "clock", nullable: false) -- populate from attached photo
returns 11:32
